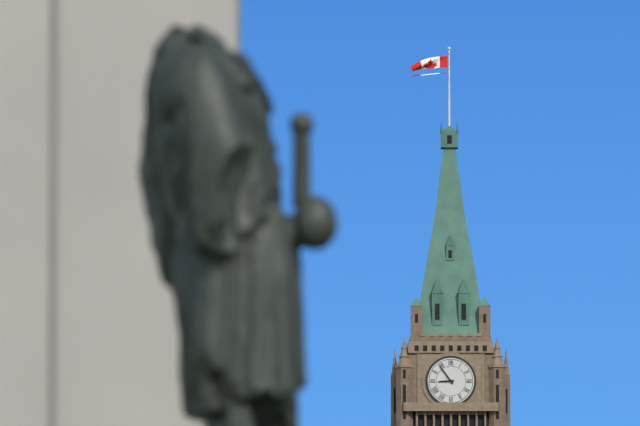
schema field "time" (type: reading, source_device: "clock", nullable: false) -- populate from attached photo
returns 8:54
